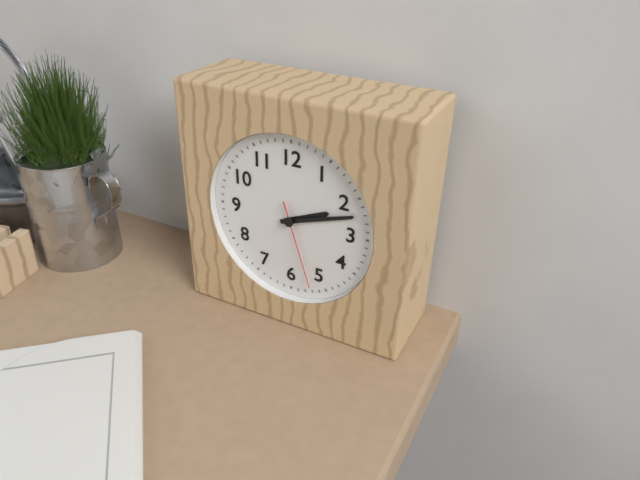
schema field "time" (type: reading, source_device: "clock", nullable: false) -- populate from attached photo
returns 2:12:27
